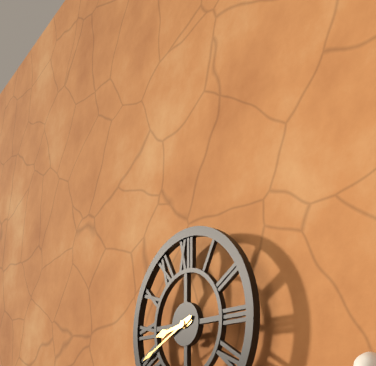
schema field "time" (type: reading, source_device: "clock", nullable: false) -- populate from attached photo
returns 8:41
